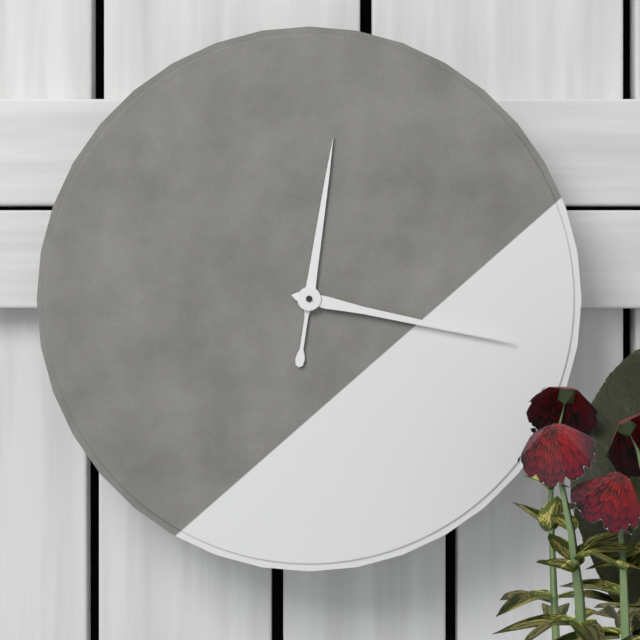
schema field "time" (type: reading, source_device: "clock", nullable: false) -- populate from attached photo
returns 12:17
